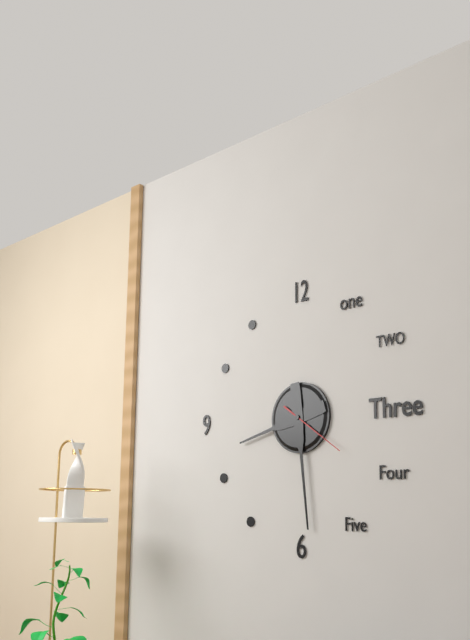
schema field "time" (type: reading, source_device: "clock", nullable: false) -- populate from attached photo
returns 8:29:21
